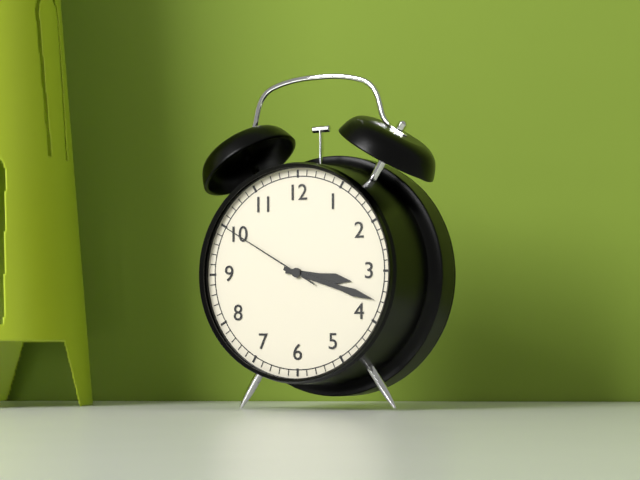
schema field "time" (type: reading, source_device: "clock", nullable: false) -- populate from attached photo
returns 3:18:50
